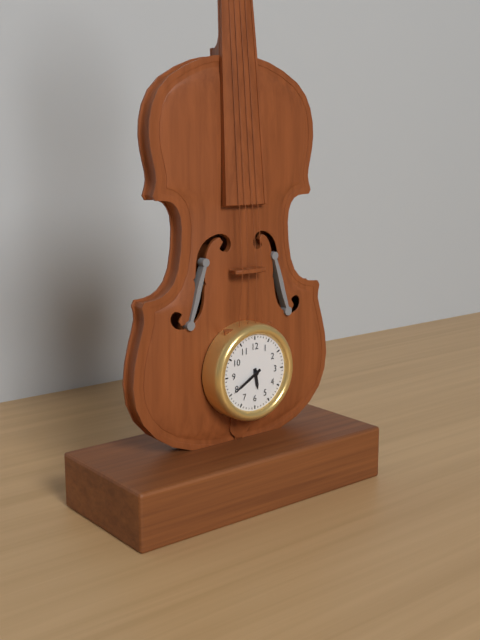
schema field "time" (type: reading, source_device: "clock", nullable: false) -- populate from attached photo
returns 5:40
